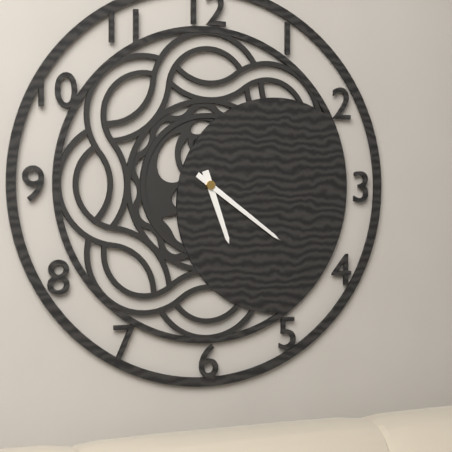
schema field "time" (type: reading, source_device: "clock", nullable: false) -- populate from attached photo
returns 5:21
